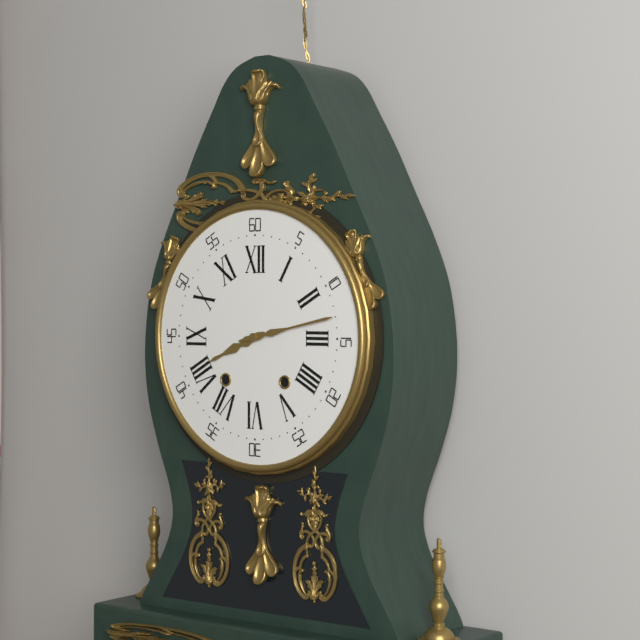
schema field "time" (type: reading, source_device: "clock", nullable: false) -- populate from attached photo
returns 8:13
